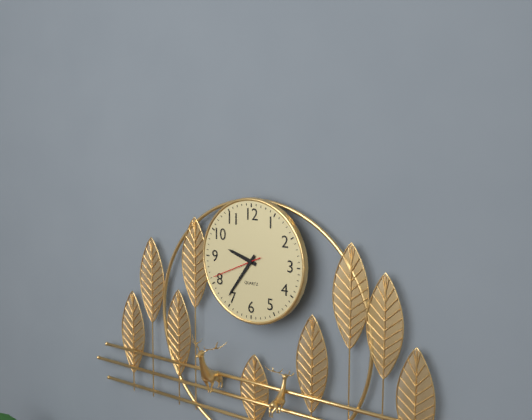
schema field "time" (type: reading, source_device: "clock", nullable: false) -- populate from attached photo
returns 9:36
